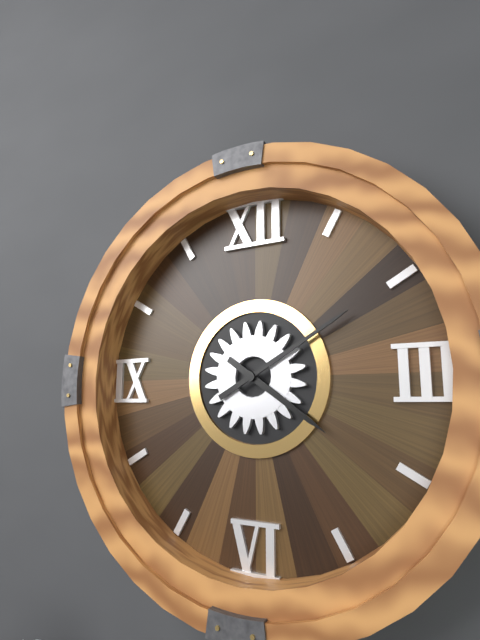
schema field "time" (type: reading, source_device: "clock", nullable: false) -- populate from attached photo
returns 4:10
